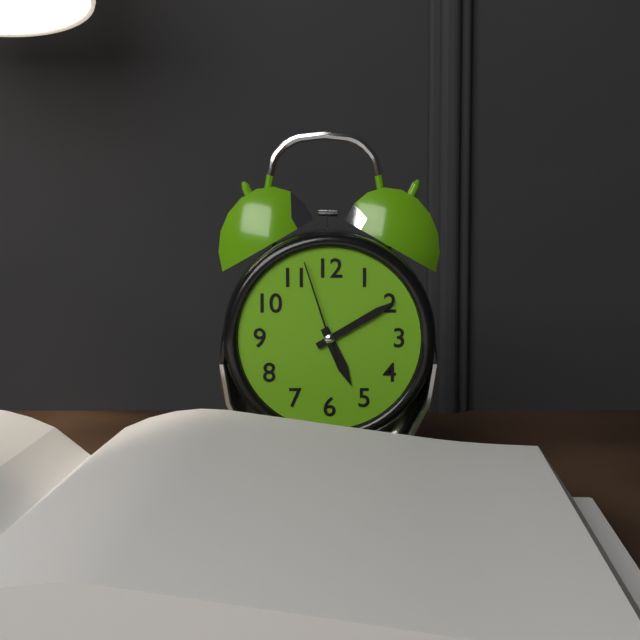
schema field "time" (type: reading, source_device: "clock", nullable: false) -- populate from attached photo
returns 5:10:57
